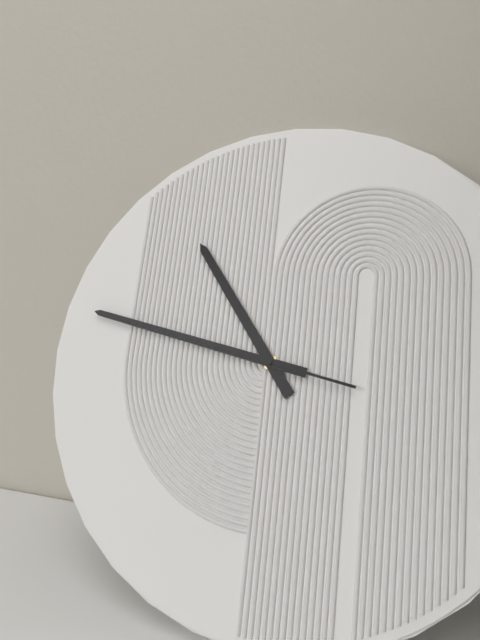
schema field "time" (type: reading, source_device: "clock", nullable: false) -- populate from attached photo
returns 10:47:47
